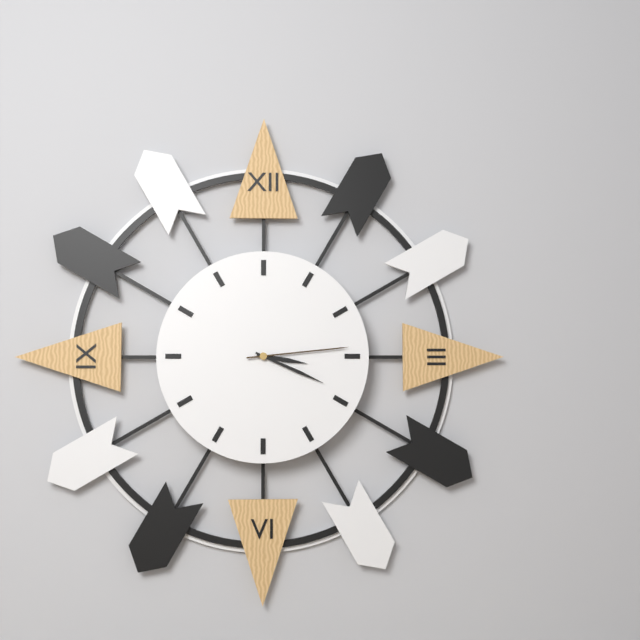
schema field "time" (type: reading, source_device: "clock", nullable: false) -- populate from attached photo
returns 3:19:14
